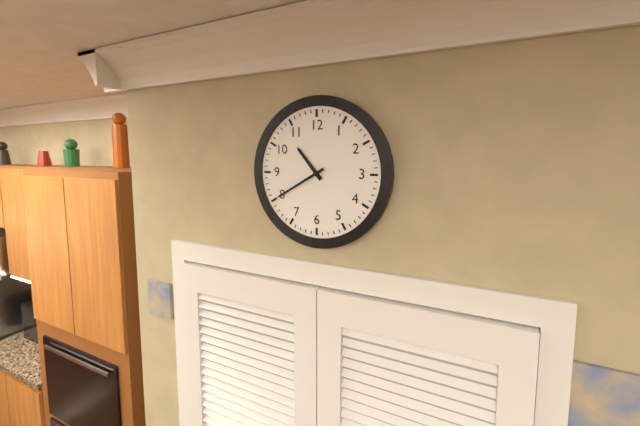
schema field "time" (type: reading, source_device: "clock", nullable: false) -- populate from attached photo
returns 10:40
